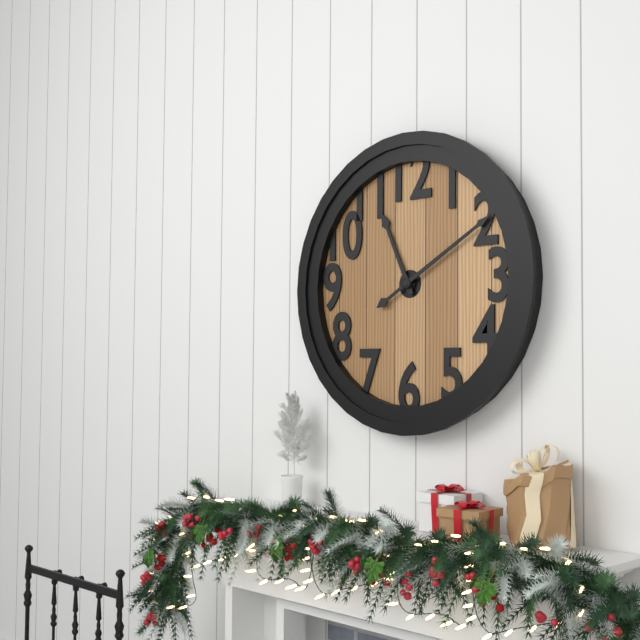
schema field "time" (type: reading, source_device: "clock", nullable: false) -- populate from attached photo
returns 11:10
